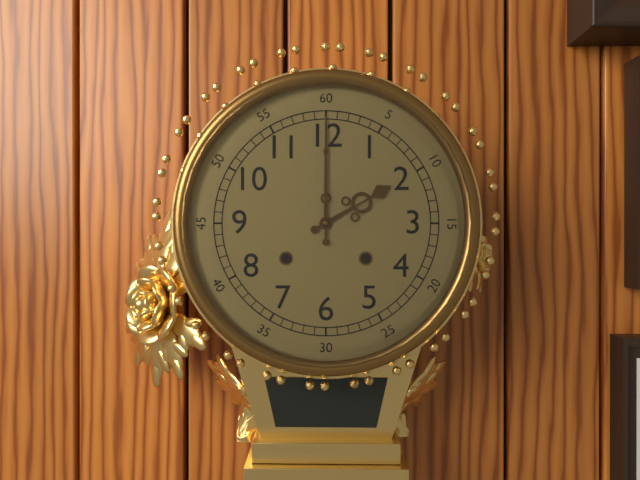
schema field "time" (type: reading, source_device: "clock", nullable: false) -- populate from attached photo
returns 2:00
